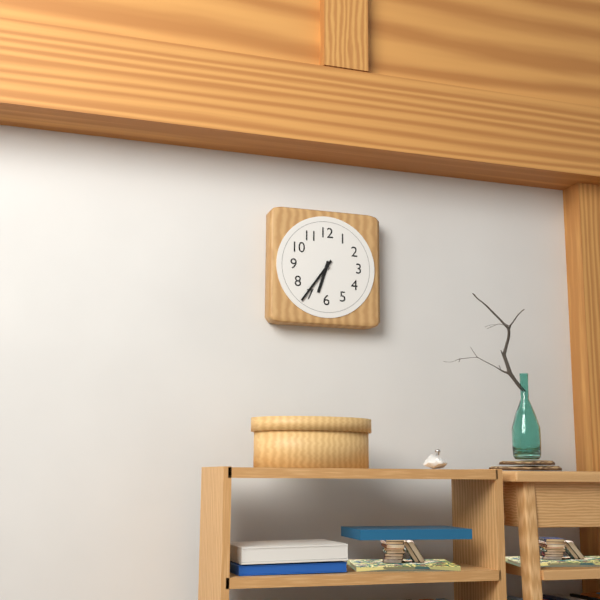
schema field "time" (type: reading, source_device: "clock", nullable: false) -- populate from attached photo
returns 6:36
